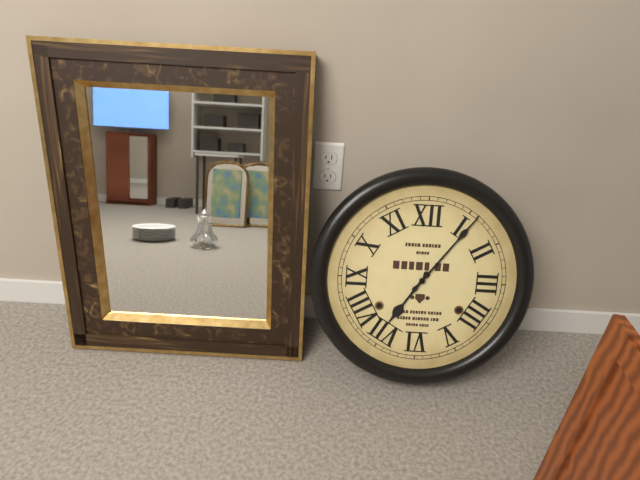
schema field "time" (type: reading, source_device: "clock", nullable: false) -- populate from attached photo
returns 7:06
